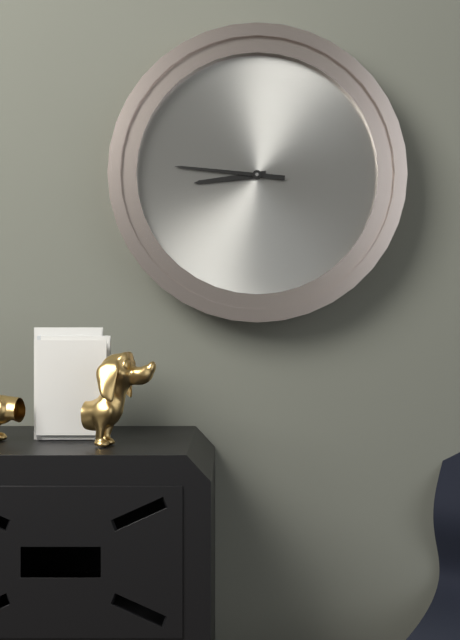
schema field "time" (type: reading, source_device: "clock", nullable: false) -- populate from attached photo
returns 8:46
